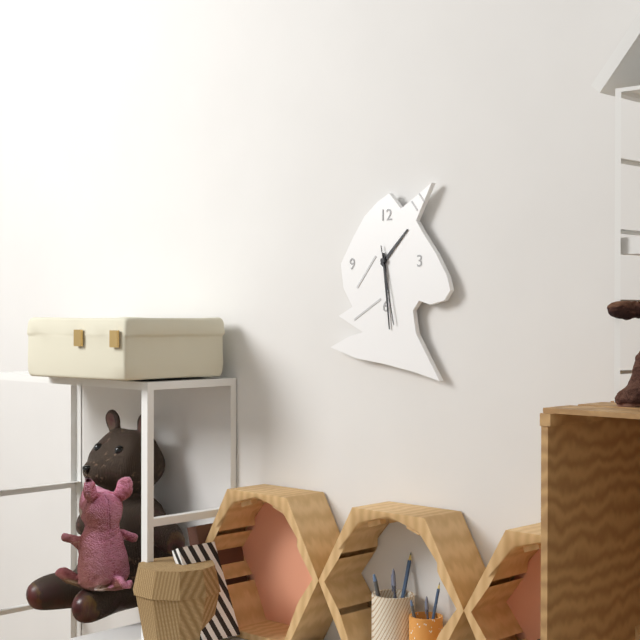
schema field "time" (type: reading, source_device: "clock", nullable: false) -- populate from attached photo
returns 1:29:28
